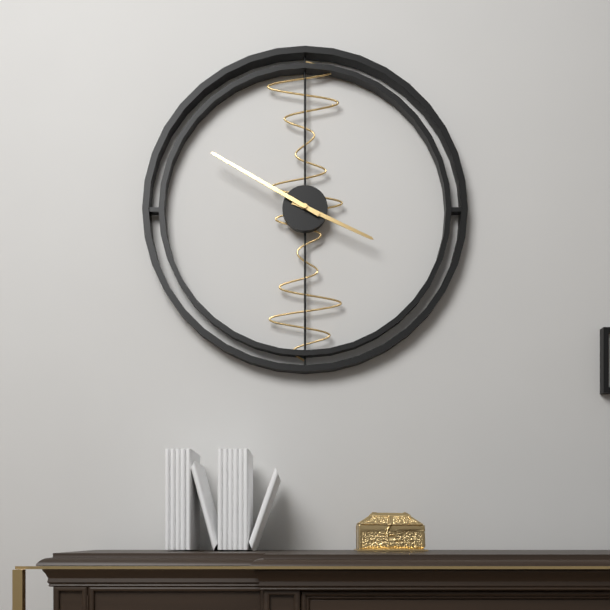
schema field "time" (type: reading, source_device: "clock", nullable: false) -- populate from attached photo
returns 3:50
